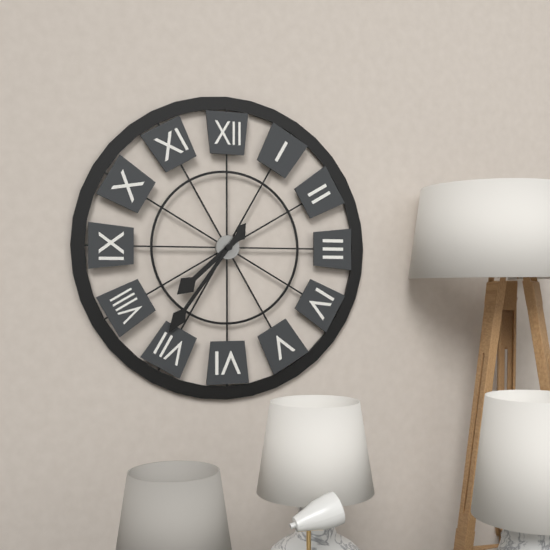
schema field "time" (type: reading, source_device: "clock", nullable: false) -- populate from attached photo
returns 7:36
